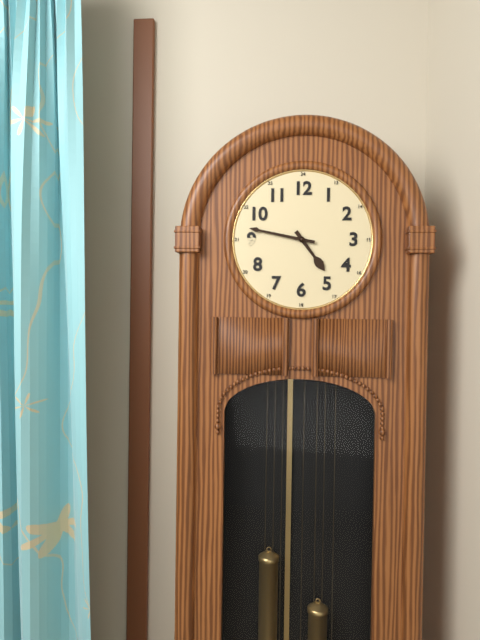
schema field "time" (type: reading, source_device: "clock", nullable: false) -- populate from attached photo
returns 4:47
